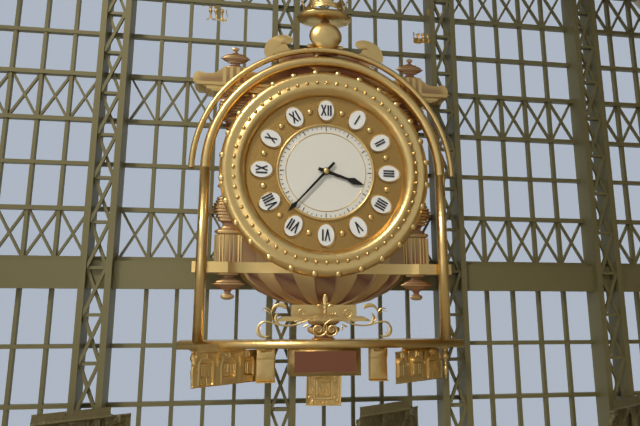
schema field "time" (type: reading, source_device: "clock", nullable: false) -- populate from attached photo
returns 3:37
